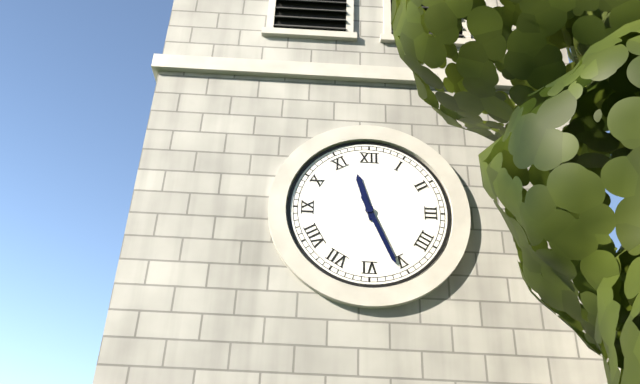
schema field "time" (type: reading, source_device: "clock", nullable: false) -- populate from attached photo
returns 11:26
